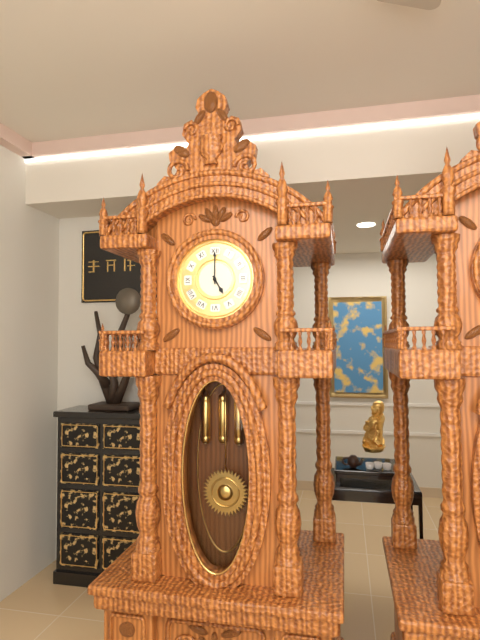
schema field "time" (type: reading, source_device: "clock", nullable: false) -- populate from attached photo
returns 5:00
